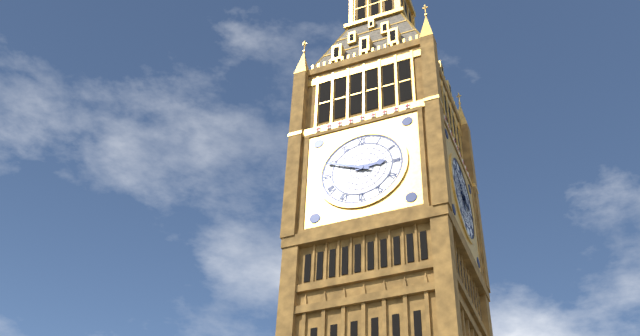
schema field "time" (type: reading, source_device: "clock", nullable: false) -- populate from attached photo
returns 2:49
